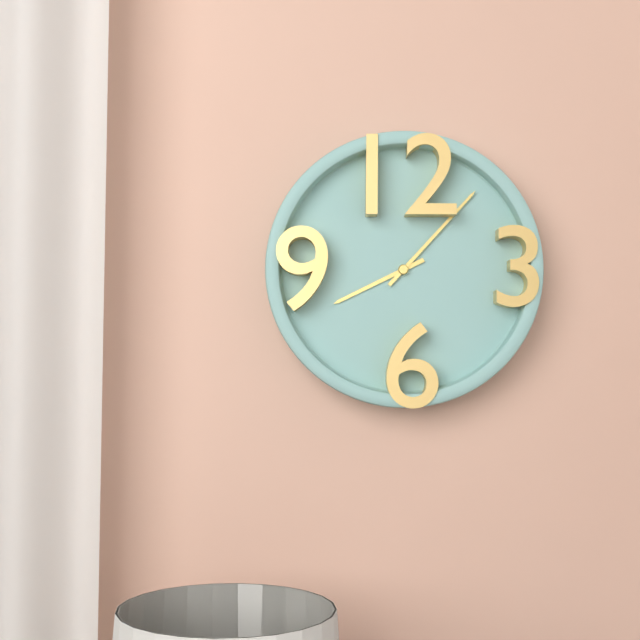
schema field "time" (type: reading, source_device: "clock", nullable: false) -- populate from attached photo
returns 8:07
